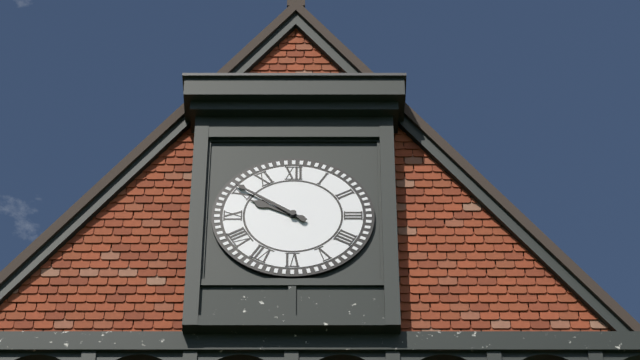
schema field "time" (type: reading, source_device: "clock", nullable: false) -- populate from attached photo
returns 9:51
